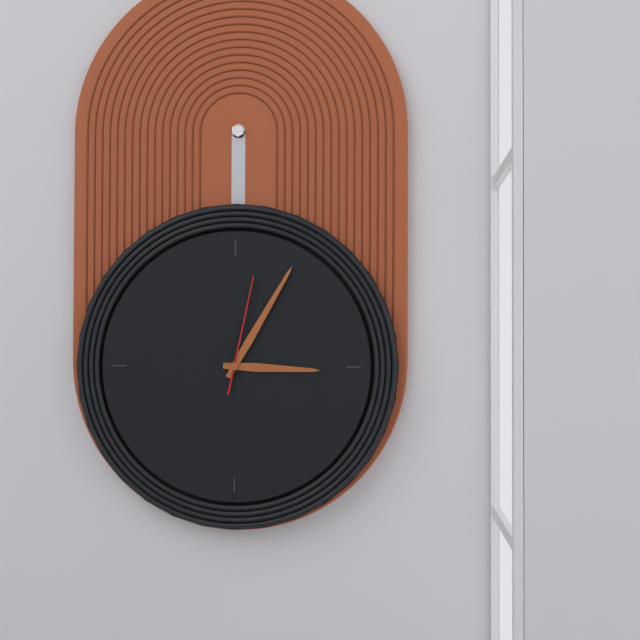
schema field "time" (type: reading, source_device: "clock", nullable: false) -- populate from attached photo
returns 3:05:02
